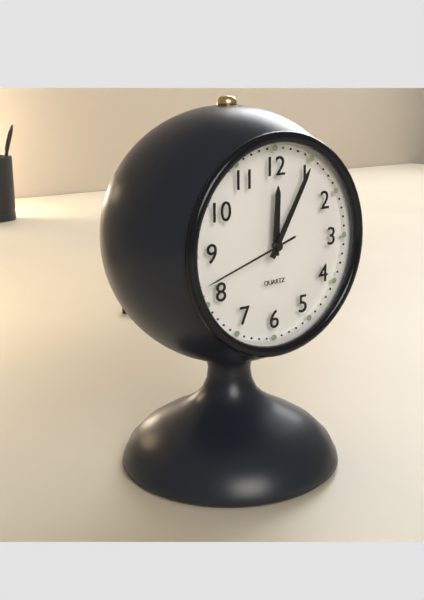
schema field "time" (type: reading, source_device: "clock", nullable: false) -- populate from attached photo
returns 12:05:42
